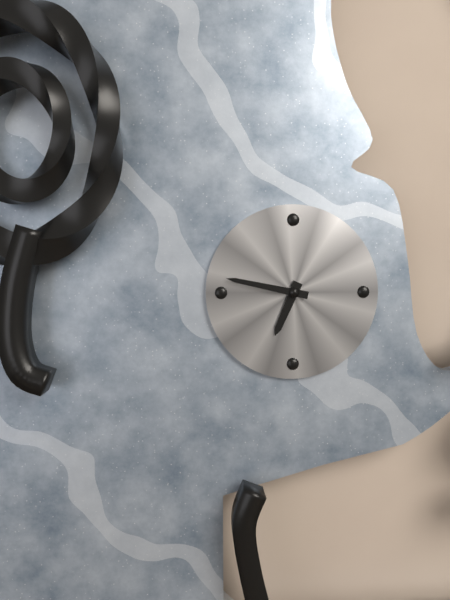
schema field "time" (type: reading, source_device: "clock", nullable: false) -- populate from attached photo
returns 6:47
